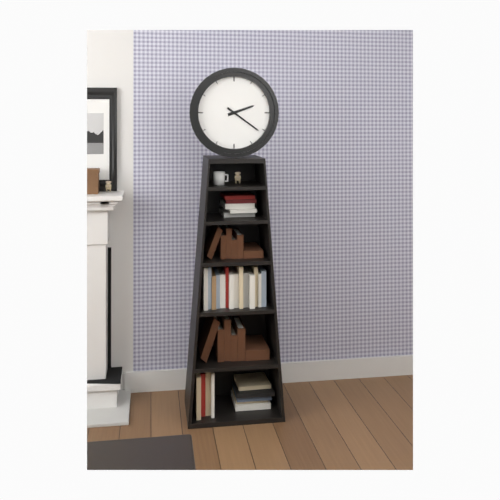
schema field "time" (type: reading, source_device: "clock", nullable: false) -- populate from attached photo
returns 2:21
